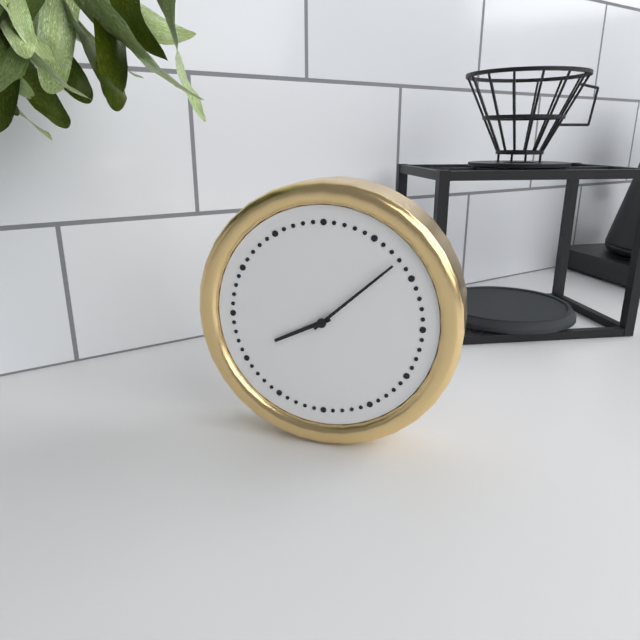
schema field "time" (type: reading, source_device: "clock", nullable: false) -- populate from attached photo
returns 8:08
